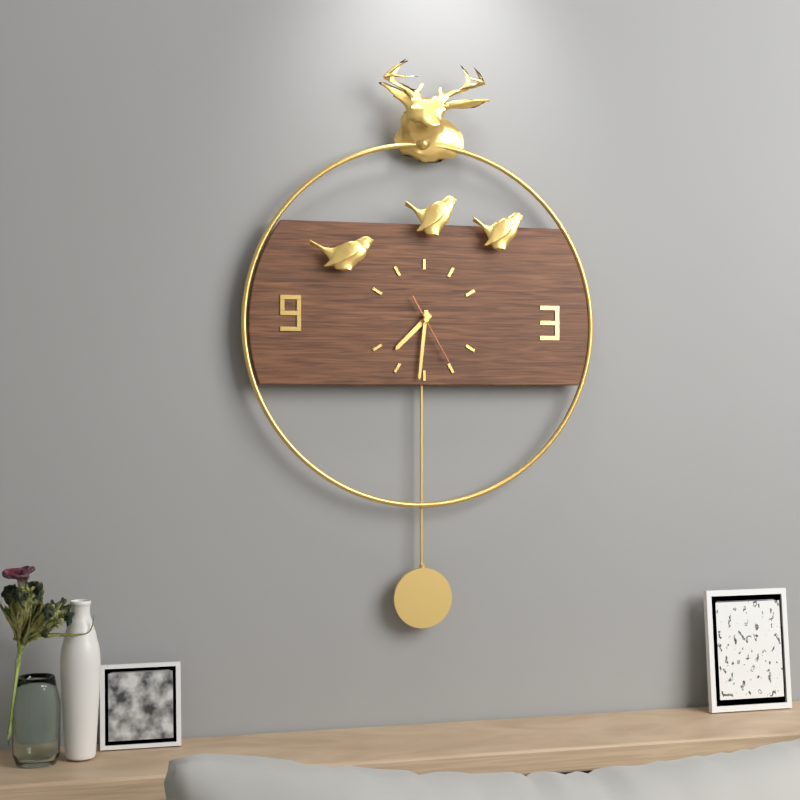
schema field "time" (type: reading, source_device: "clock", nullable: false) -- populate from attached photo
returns 7:31:25
